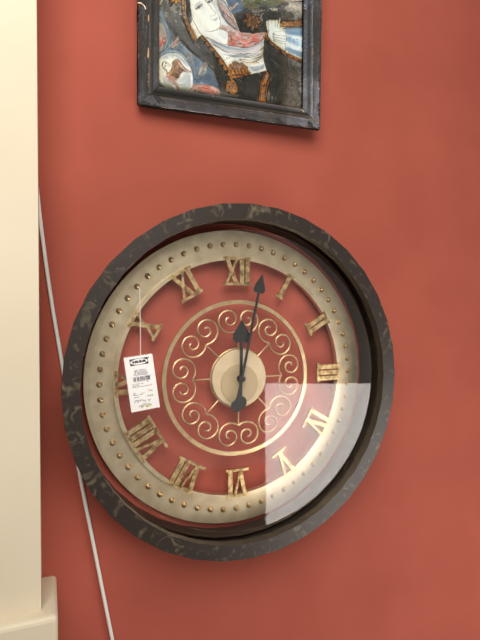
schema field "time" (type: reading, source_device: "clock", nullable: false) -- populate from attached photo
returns 12:02
